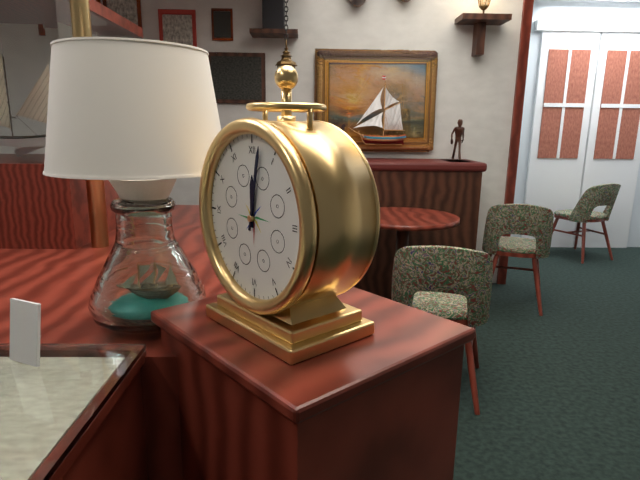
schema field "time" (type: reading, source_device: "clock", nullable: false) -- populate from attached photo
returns 12:02
